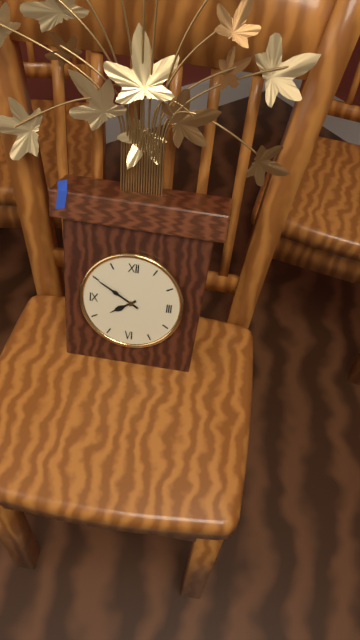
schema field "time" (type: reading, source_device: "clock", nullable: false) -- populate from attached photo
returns 7:50
